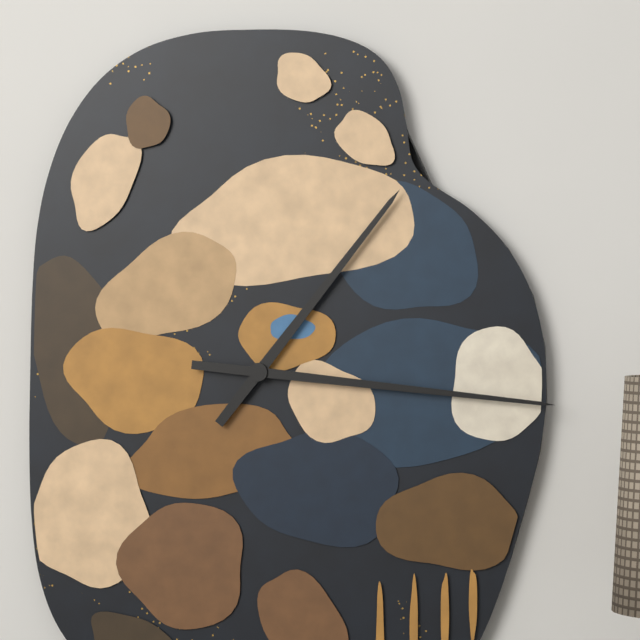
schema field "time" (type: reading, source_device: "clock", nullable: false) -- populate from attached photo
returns 1:16
